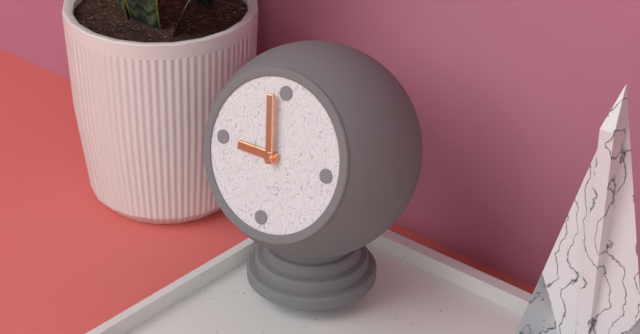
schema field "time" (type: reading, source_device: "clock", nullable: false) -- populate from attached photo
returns 8:58
